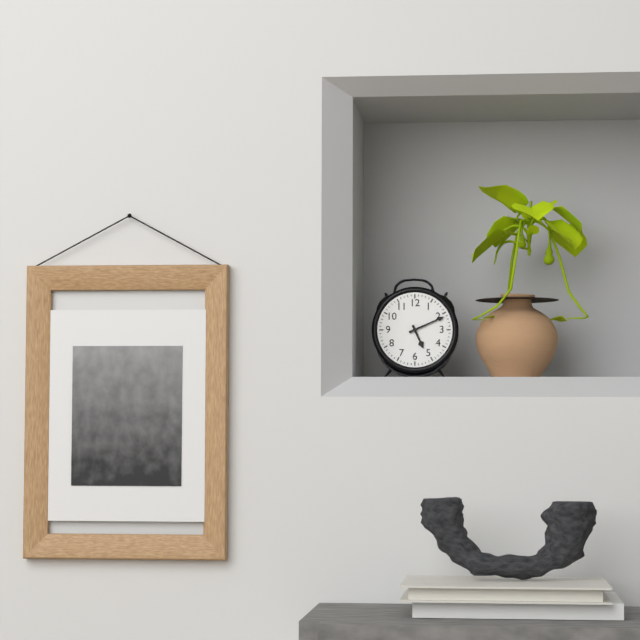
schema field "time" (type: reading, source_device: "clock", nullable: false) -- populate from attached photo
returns 5:11
